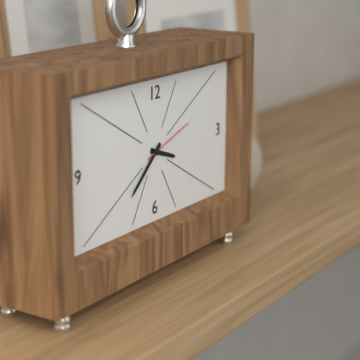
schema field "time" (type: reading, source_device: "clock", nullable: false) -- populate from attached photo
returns 3:38:12
